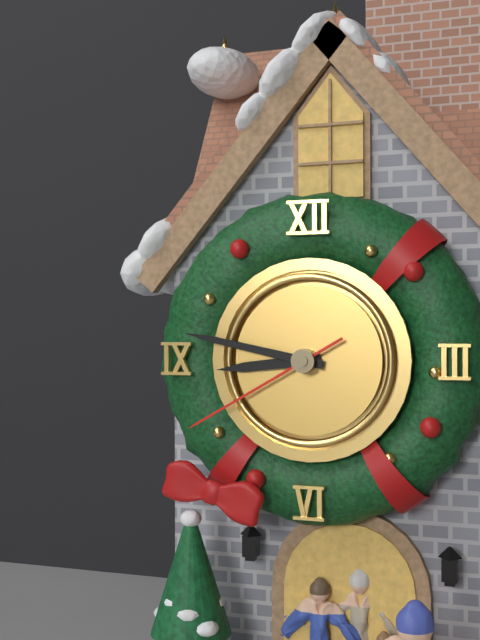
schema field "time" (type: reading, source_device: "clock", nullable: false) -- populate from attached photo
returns 8:47:40
